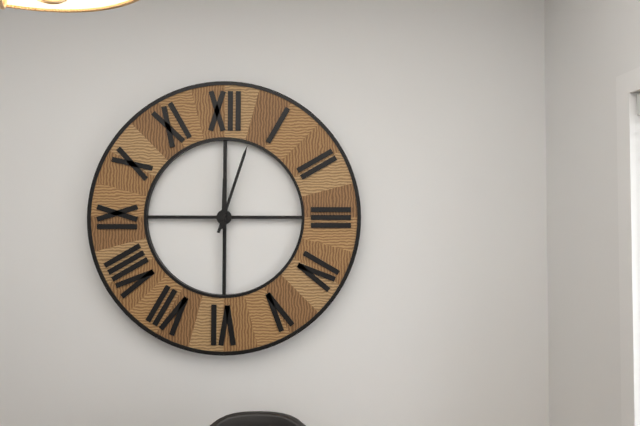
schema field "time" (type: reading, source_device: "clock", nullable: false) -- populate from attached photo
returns 12:03
